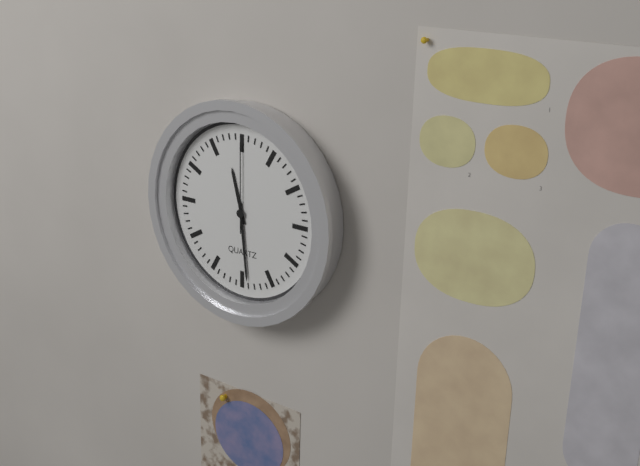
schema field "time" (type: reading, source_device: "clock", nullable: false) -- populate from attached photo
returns 11:29:00
